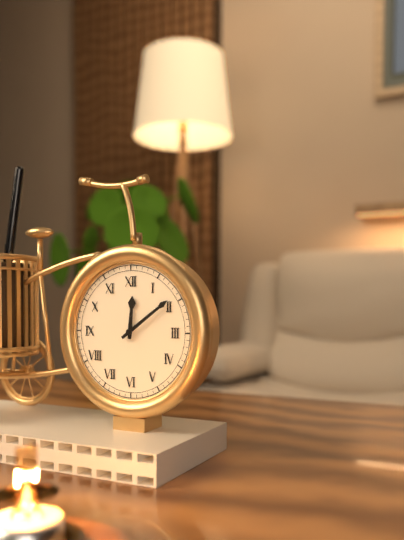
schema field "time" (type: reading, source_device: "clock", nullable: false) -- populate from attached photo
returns 12:09
